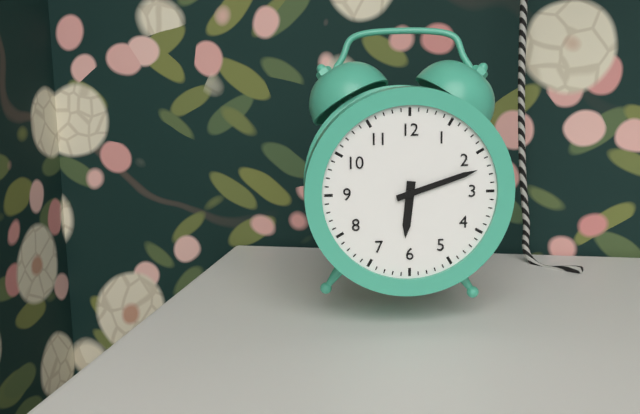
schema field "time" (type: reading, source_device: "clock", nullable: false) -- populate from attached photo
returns 6:12
